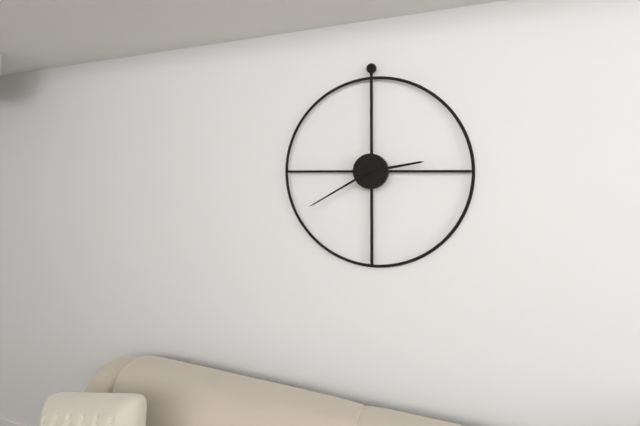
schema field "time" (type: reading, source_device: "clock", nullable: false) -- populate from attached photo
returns 2:40
